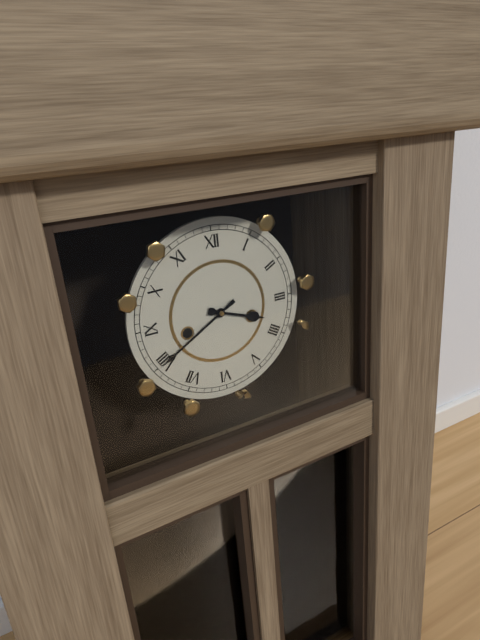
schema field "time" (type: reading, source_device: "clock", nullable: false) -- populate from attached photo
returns 3:40
